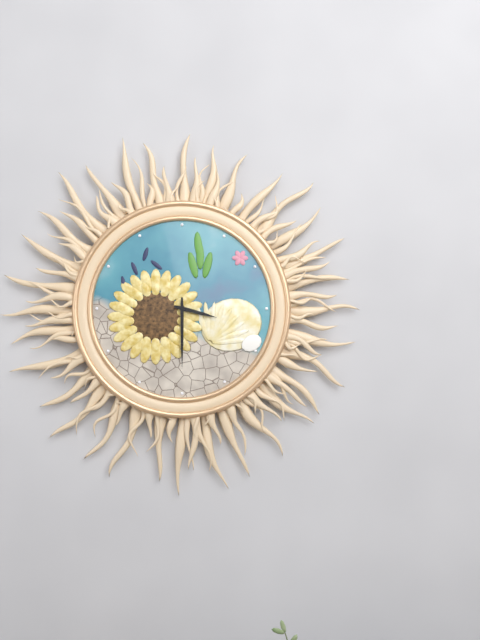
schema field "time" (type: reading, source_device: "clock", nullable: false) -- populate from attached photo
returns 3:30
